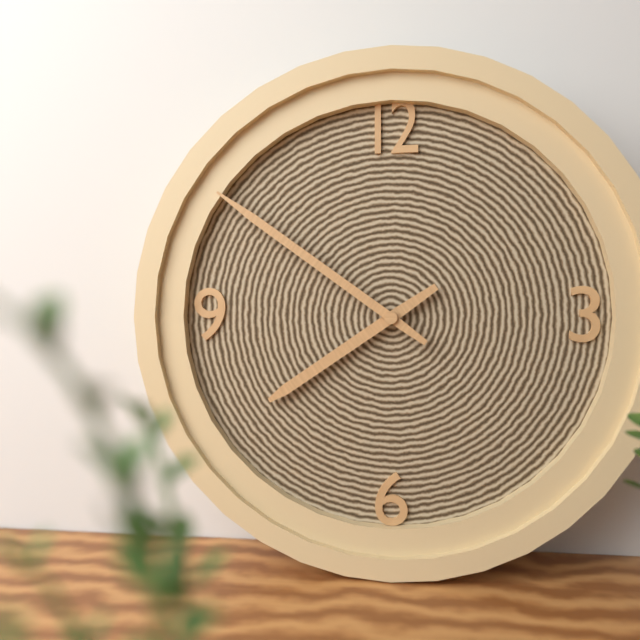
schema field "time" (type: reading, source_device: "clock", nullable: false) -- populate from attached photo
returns 7:51
